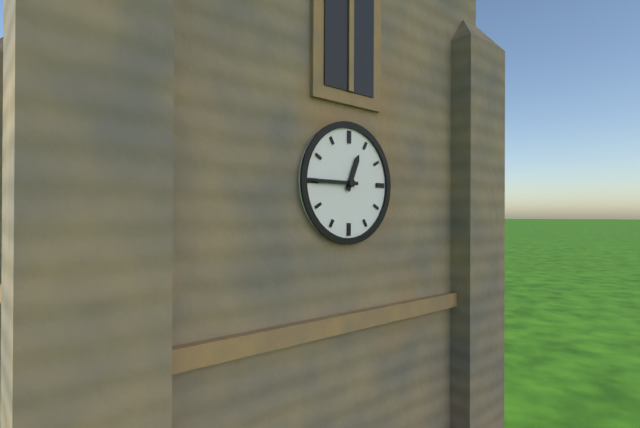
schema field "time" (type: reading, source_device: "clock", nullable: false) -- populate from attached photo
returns 12:45
